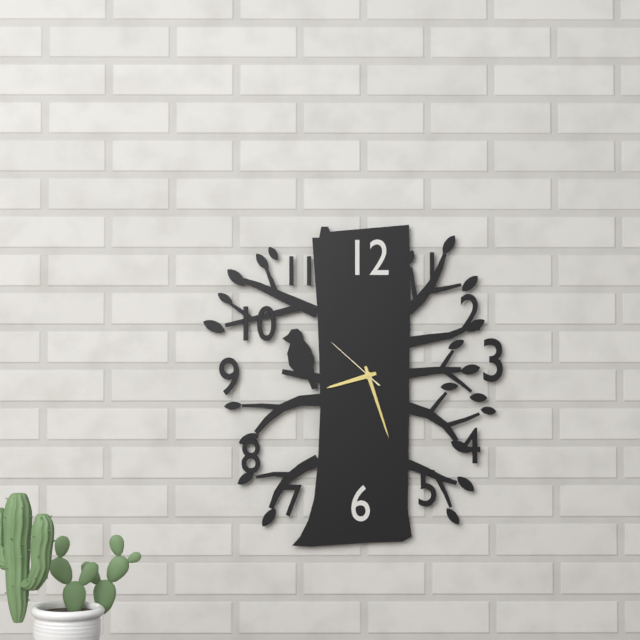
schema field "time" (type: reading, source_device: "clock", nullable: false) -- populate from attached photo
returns 8:27:52
